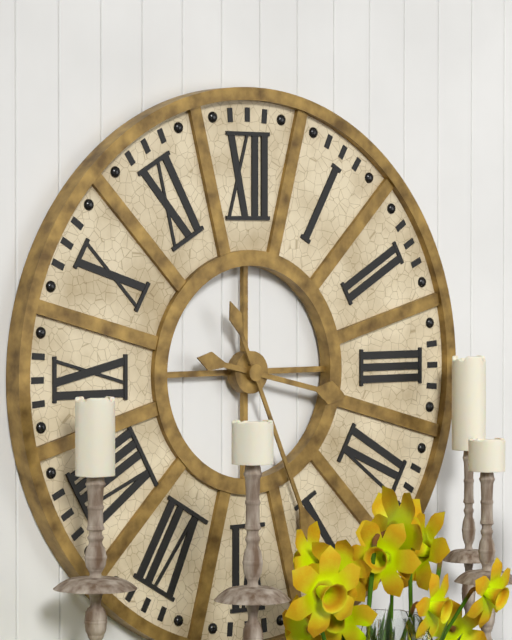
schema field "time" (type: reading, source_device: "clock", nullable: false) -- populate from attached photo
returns 3:26
